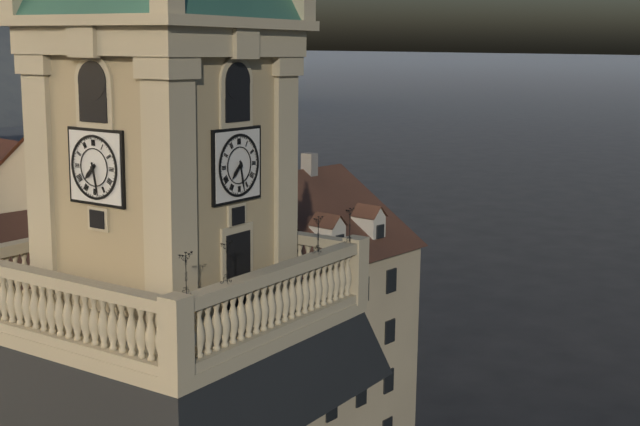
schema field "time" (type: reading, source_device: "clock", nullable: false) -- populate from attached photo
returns 7:28
